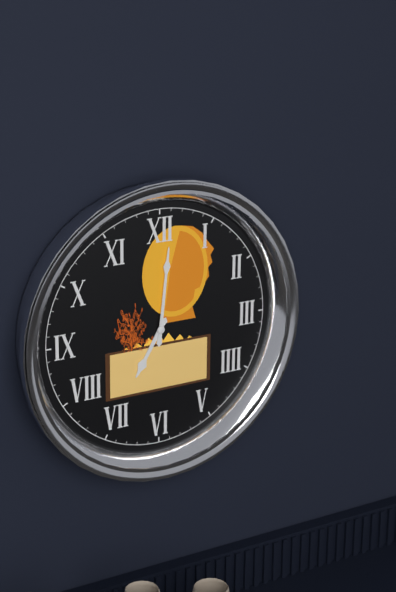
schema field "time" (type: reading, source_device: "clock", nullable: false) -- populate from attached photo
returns 7:01
